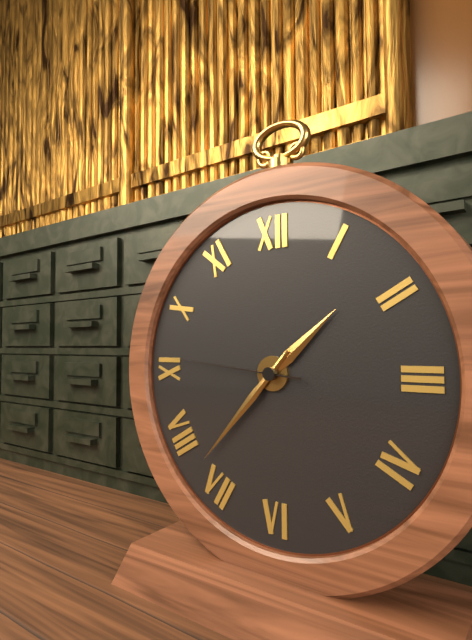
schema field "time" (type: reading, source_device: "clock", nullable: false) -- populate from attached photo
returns 1:37:46
